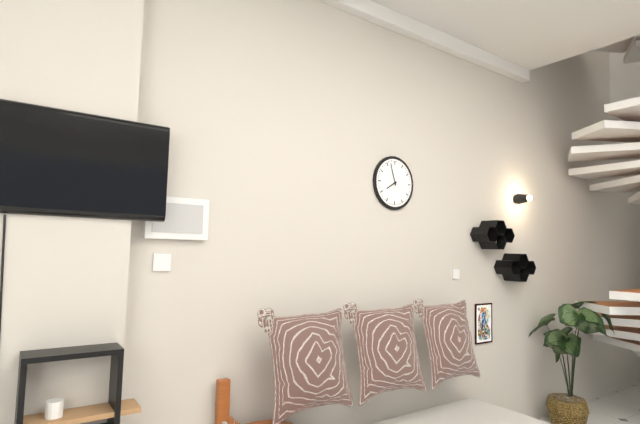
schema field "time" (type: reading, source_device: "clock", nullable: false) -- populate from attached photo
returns 7:57
